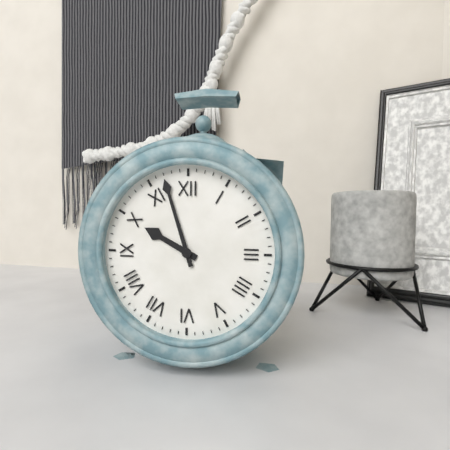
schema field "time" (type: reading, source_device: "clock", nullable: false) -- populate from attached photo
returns 9:57
